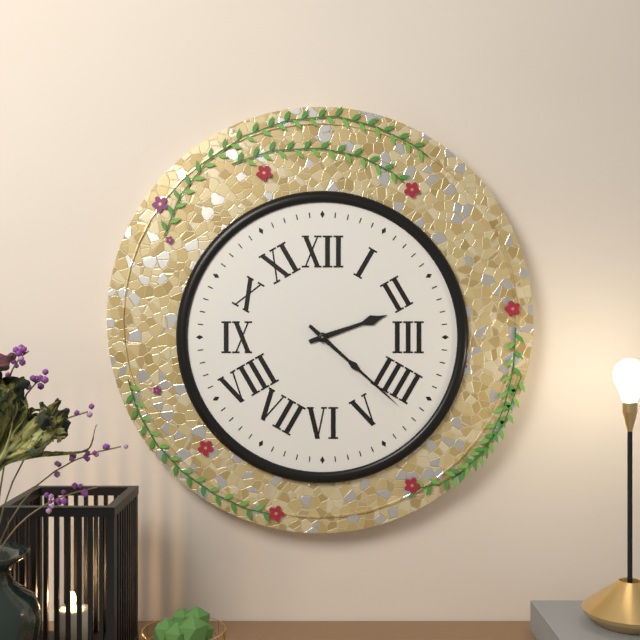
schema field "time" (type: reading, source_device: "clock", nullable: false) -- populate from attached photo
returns 2:22
